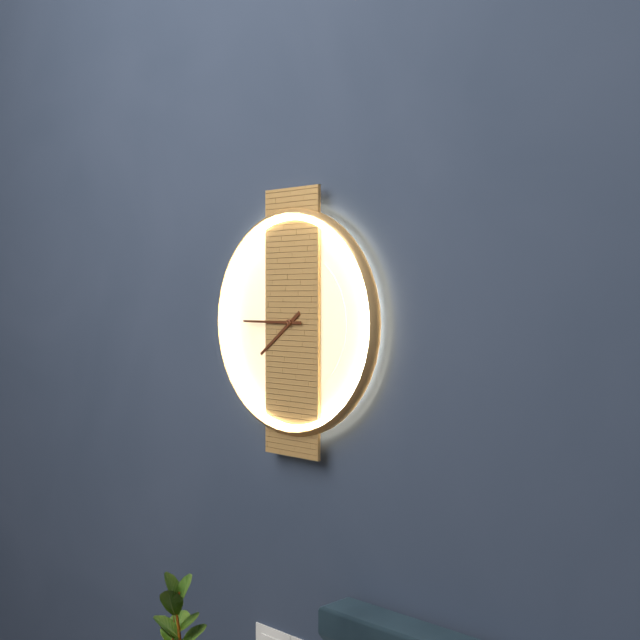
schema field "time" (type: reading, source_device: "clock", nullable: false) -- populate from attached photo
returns 7:45
